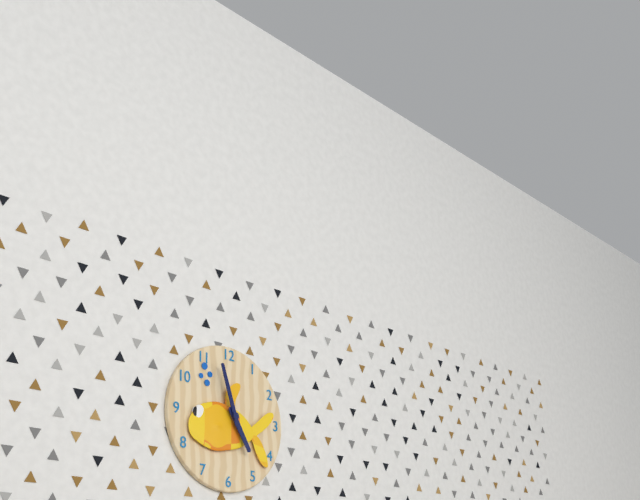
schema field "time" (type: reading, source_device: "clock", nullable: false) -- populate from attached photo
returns 4:57
